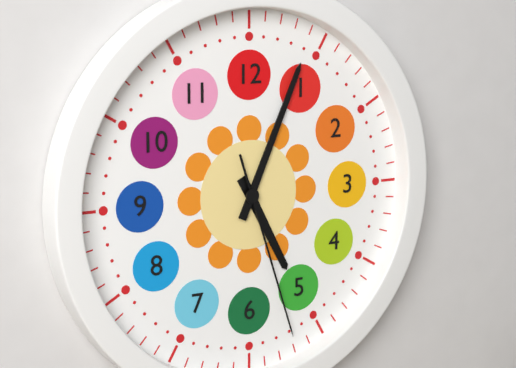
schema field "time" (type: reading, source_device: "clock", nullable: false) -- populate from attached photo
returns 5:04:27
